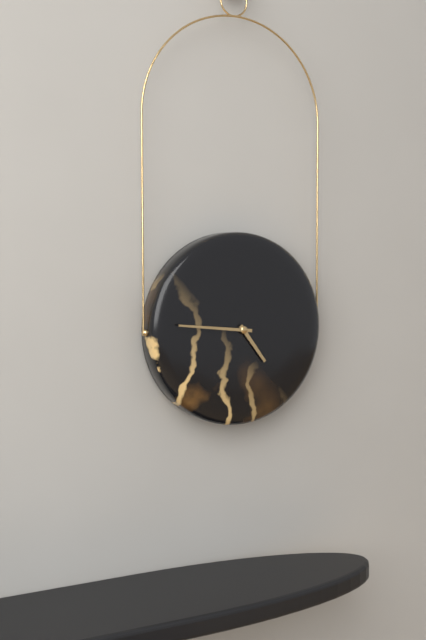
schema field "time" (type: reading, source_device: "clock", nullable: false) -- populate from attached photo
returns 4:46
